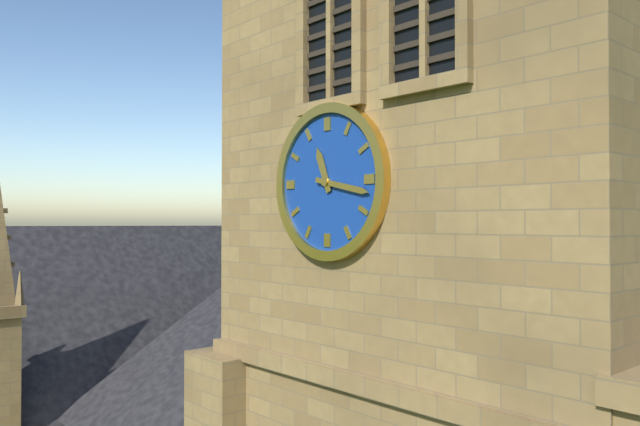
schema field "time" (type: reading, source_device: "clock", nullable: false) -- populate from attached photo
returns 11:17
